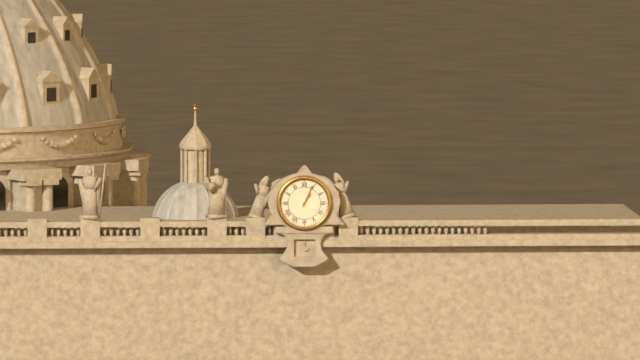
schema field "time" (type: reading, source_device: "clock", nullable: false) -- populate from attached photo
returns 1:04
